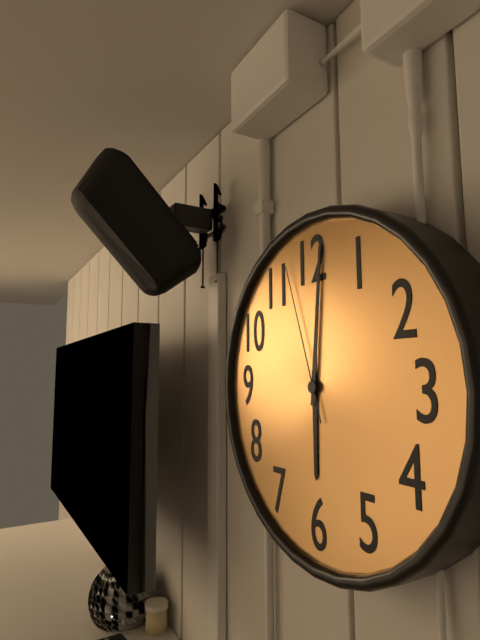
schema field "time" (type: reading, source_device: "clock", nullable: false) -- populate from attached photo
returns 6:01:57
